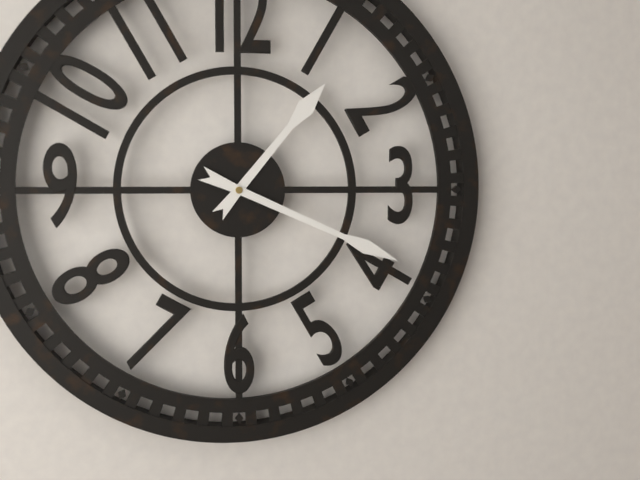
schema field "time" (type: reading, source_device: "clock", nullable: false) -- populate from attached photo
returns 1:19
